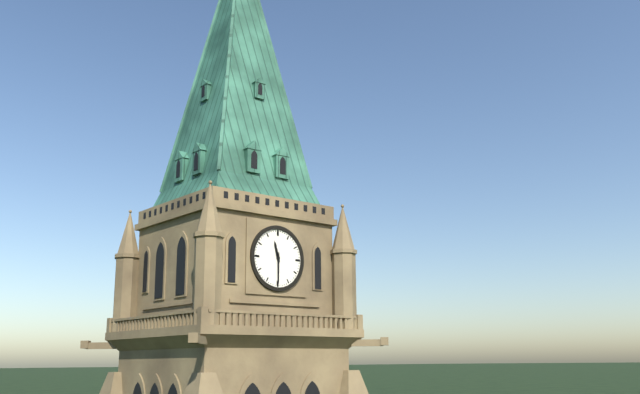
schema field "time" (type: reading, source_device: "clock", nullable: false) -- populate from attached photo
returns 11:30
